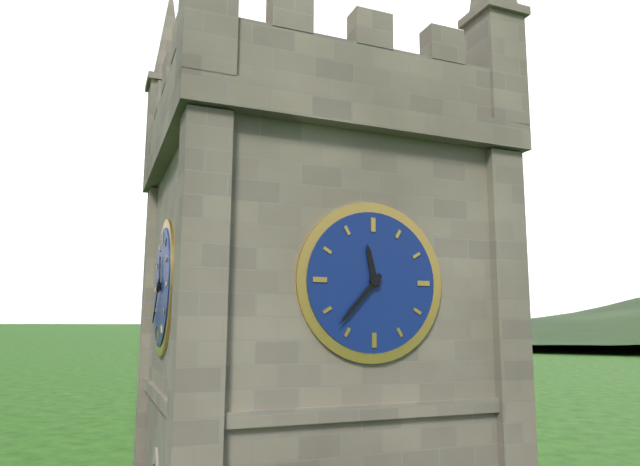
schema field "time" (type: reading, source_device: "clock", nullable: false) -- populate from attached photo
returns 11:37
